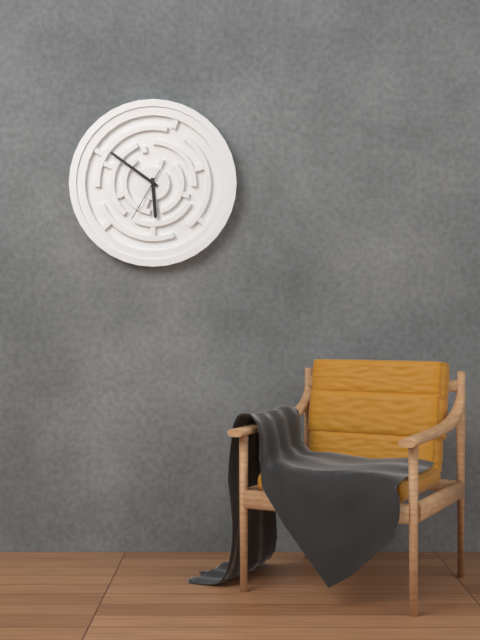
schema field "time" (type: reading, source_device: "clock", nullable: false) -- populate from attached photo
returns 5:51:35
